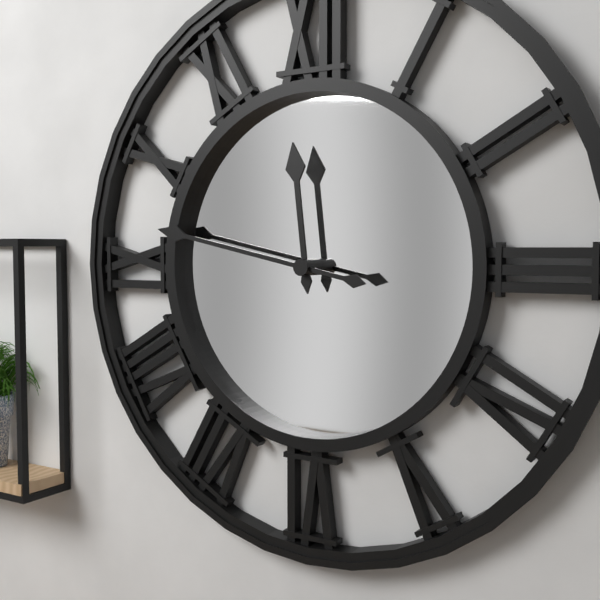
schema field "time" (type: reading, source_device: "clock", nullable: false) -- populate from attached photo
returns 11:47
